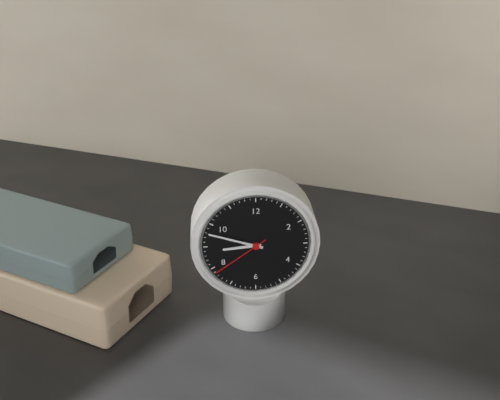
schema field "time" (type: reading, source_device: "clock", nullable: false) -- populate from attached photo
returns 8:48:39
